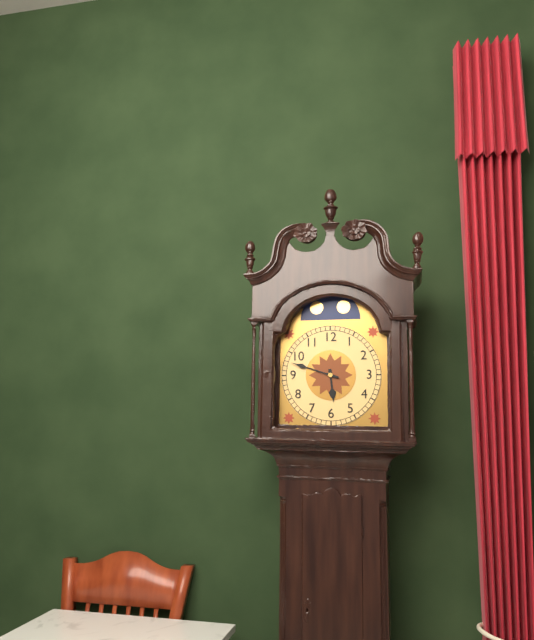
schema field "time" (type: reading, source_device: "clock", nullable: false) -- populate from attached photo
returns 5:48
